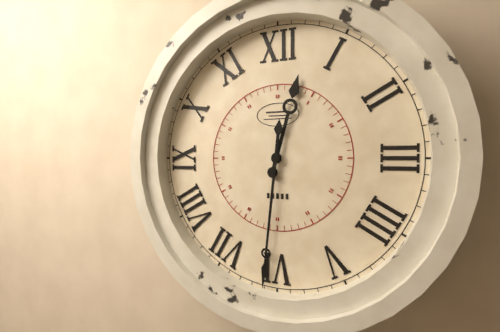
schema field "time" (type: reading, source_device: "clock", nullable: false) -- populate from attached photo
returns 12:31
